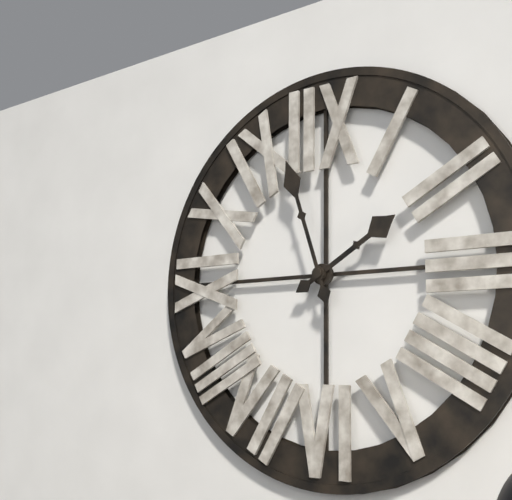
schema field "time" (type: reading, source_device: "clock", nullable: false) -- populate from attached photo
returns 1:57
